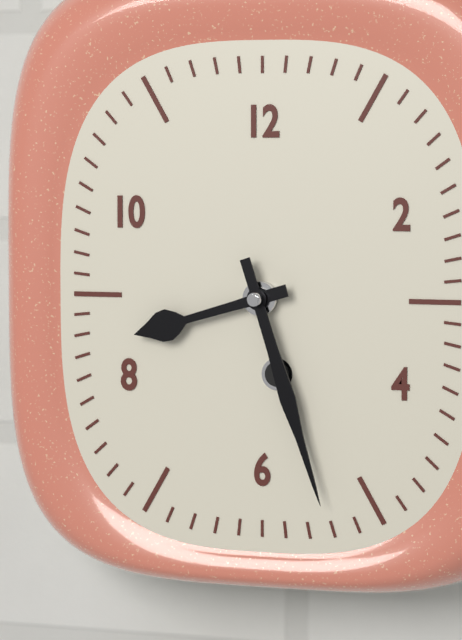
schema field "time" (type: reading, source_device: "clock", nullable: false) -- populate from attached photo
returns 8:27
